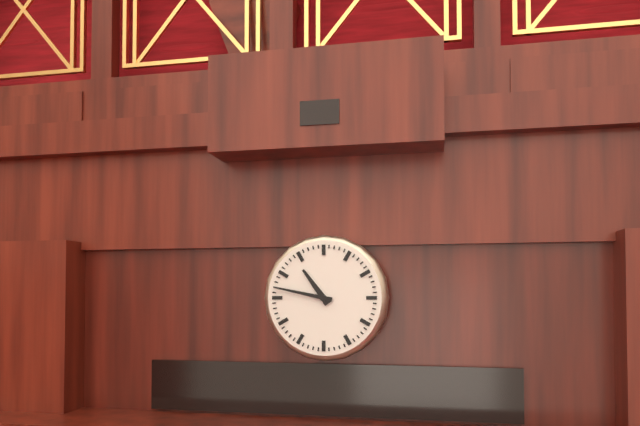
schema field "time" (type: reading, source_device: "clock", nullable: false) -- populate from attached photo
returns 10:47
